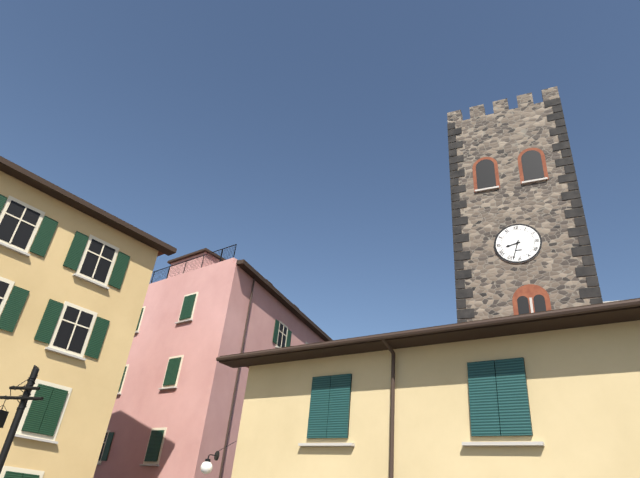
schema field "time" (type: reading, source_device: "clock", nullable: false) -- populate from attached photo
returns 8:33
